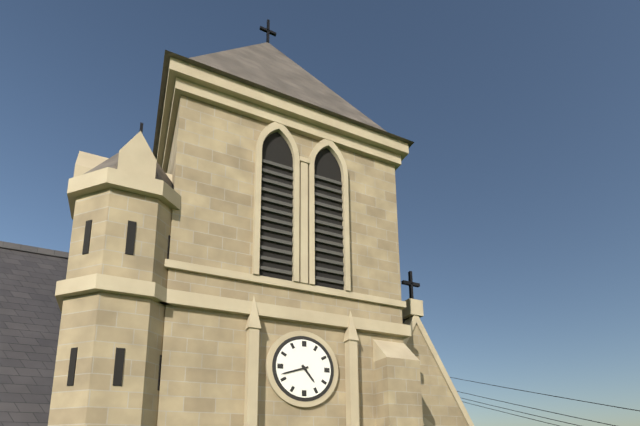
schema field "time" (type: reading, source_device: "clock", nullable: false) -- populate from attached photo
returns 4:42
